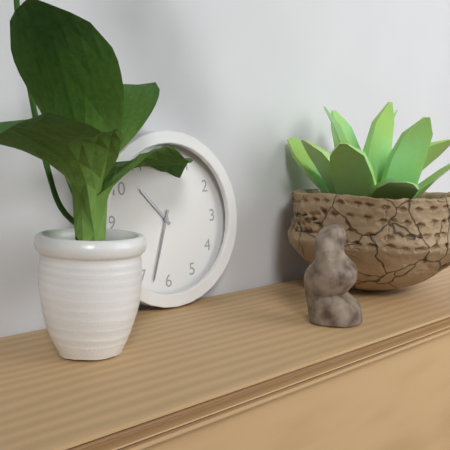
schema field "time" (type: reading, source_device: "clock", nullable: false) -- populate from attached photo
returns 10:33
